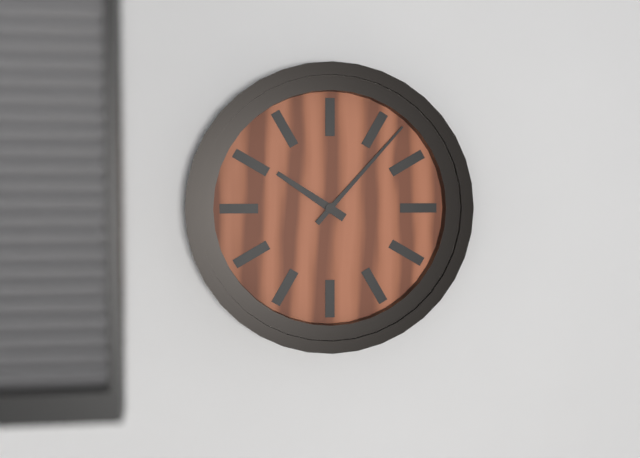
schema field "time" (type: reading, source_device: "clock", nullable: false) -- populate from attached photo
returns 10:07
